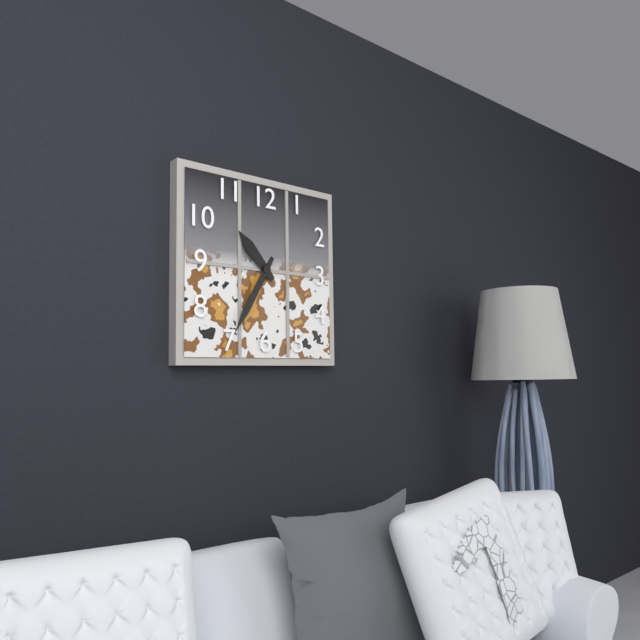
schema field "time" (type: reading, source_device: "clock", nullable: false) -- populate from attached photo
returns 10:35
